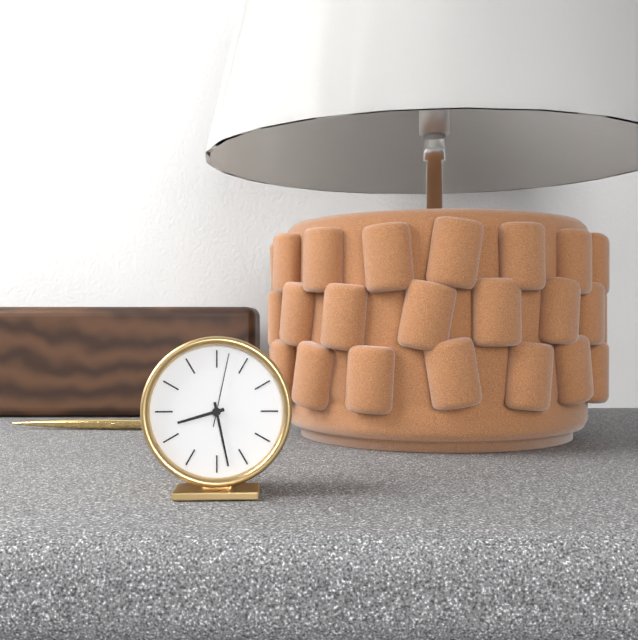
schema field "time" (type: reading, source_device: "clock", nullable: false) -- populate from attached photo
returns 8:28:02
